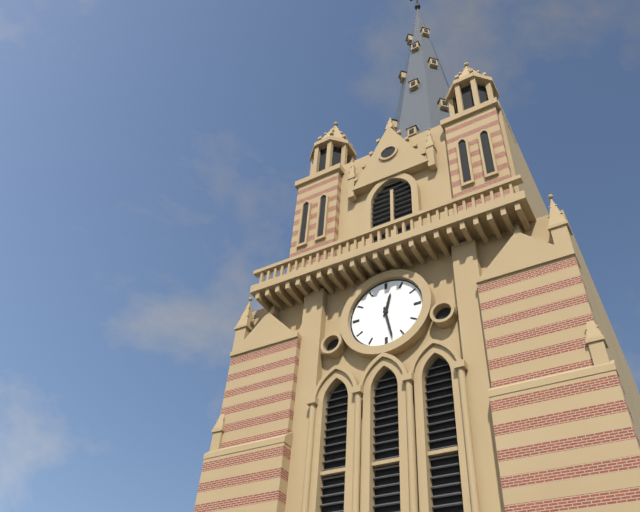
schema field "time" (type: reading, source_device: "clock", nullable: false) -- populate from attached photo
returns 12:28
